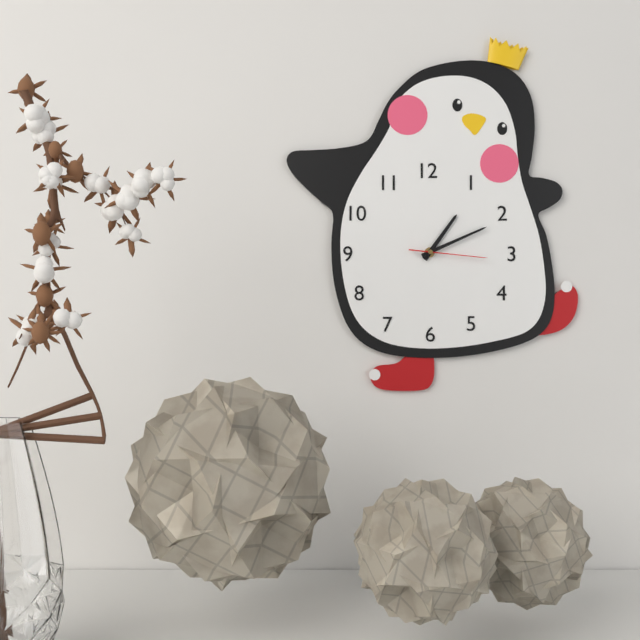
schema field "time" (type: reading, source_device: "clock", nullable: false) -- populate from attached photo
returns 1:11:16
